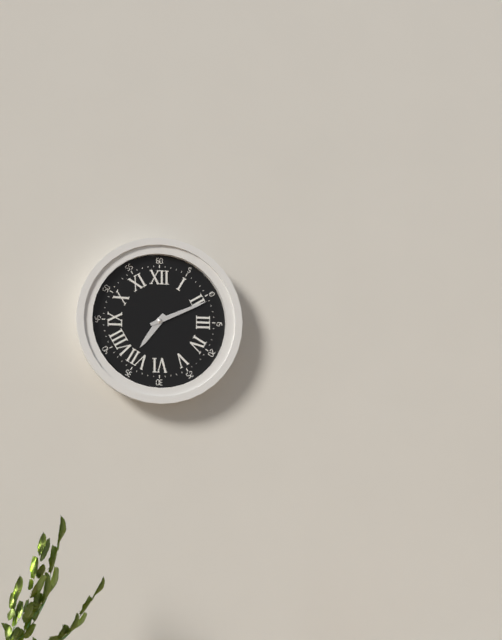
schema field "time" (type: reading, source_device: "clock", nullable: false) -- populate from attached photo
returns 7:11
